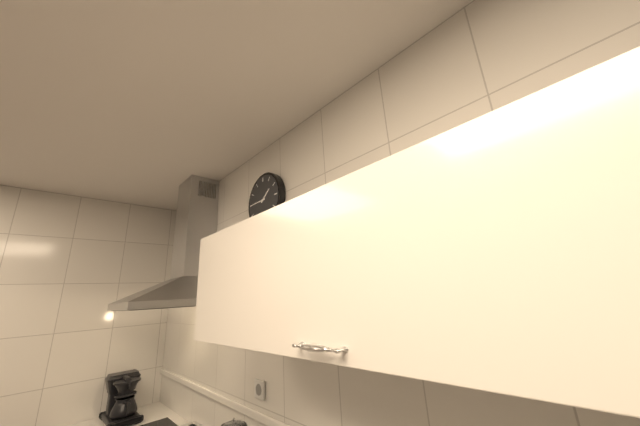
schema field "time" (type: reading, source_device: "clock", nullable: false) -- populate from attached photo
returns 1:45
